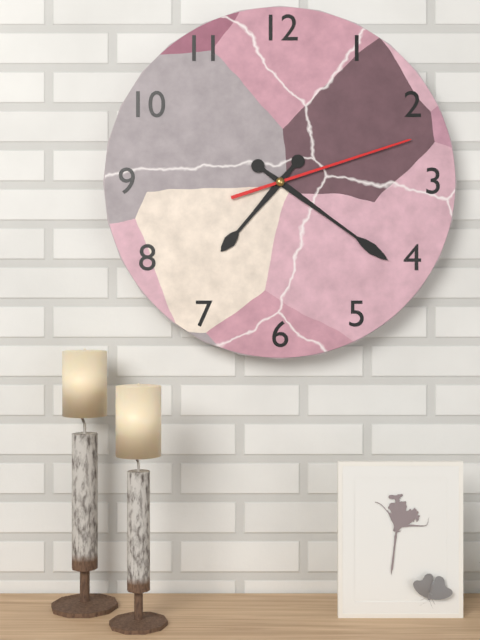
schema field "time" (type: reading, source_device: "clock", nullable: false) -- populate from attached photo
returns 7:21:12
